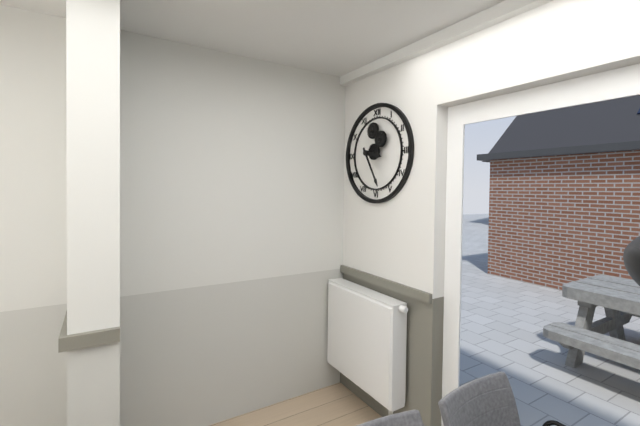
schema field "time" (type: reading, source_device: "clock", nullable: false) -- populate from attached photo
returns 3:25
